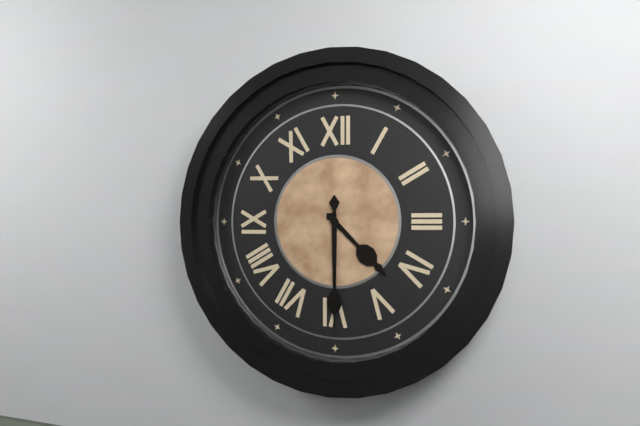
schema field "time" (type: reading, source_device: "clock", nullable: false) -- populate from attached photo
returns 4:30
